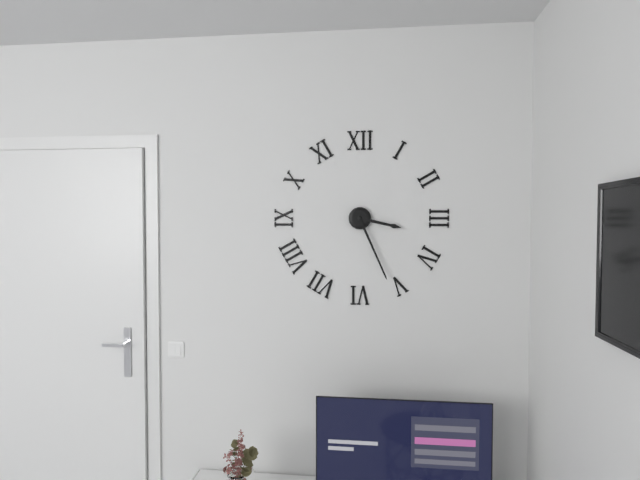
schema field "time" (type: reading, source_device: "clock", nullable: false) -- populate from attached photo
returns 3:26
